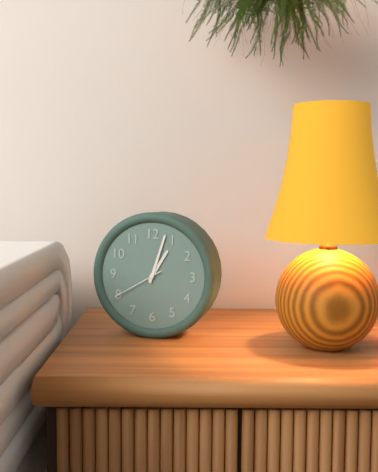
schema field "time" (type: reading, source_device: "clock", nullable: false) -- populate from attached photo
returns 1:03:40
